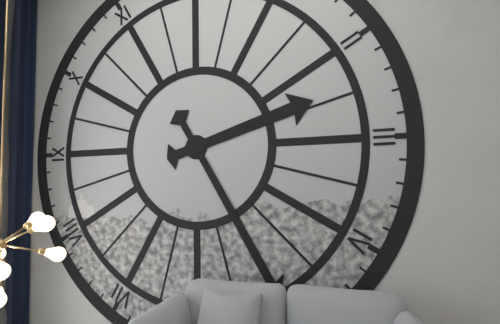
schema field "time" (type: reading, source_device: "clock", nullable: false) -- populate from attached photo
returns 2:25
